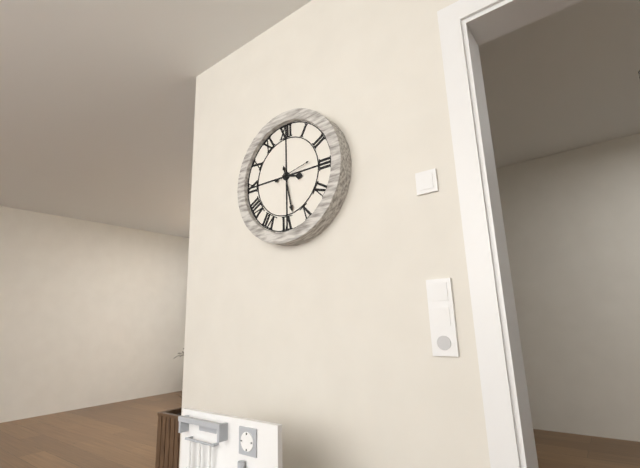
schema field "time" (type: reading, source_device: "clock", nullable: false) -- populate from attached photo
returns 3:28
